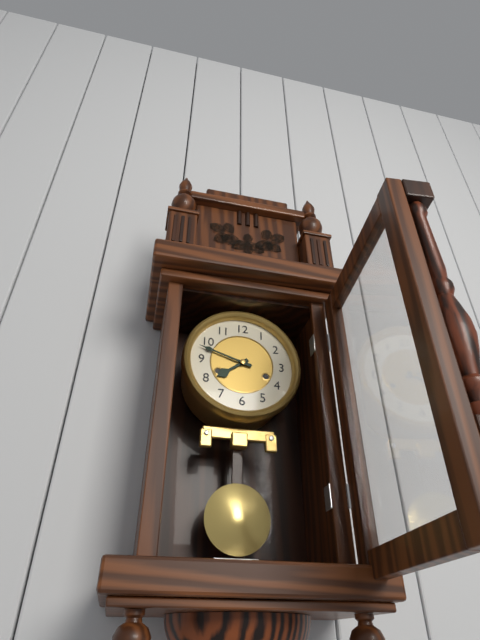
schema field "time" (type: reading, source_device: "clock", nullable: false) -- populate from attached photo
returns 7:48
